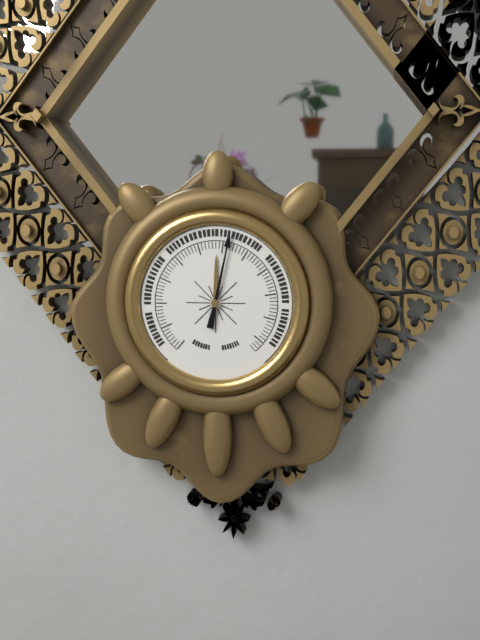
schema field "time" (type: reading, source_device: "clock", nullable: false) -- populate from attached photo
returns 12:02
